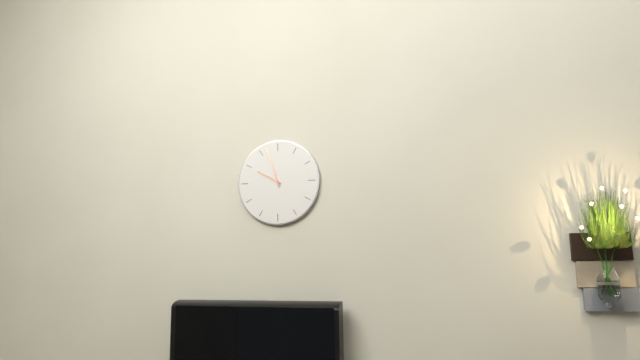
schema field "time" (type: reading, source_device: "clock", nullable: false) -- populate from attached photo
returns 9:57
